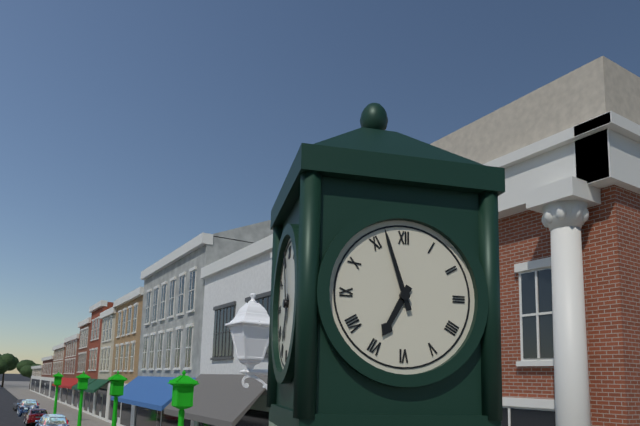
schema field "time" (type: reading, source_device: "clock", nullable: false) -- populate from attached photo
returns 6:57
